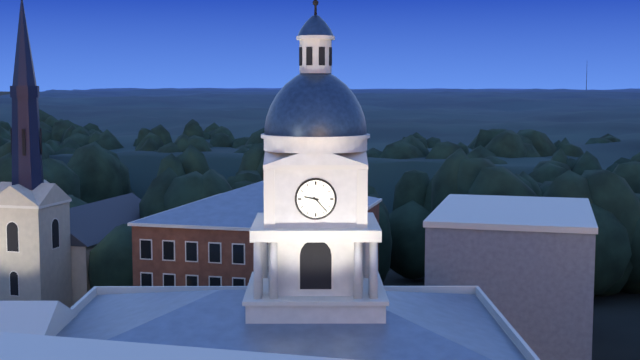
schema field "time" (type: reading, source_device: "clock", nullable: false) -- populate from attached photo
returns 9:23
